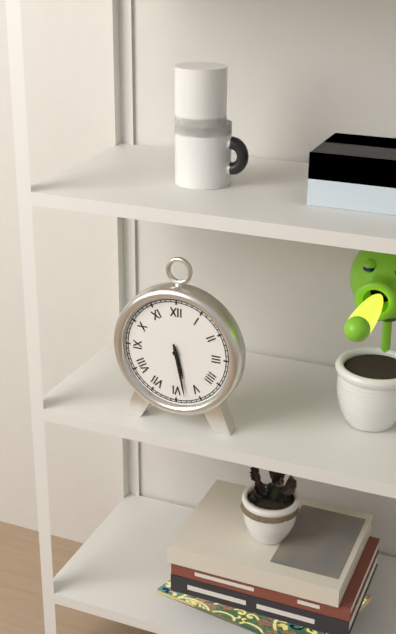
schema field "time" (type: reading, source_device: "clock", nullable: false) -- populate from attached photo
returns 5:28
